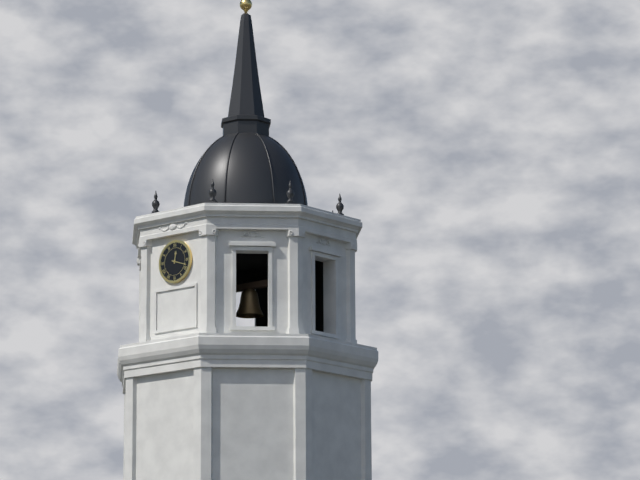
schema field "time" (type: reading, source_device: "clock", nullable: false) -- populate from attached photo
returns 12:18
